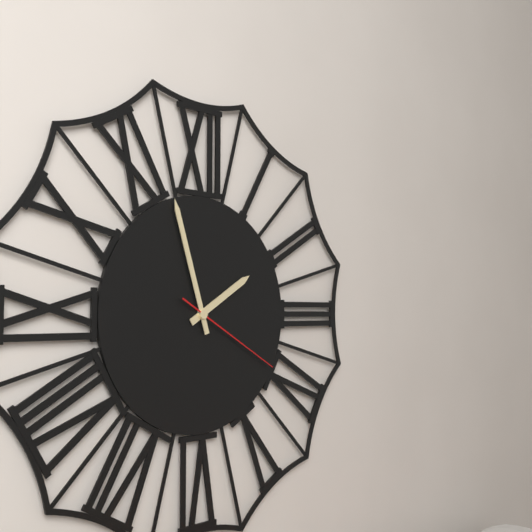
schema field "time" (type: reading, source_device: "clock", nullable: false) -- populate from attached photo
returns 1:57:20
